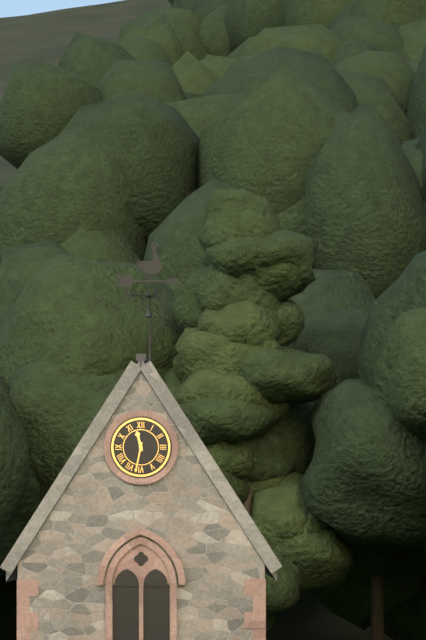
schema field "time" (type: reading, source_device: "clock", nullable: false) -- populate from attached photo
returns 11:32
